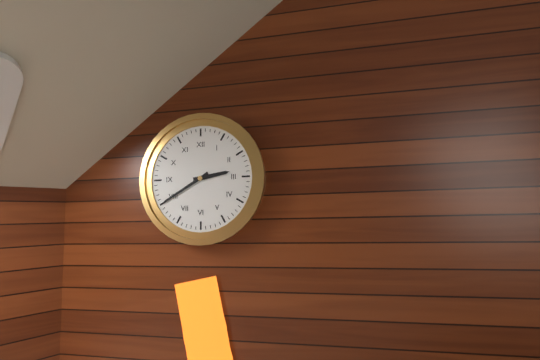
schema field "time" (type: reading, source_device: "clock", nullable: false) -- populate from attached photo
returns 2:40
